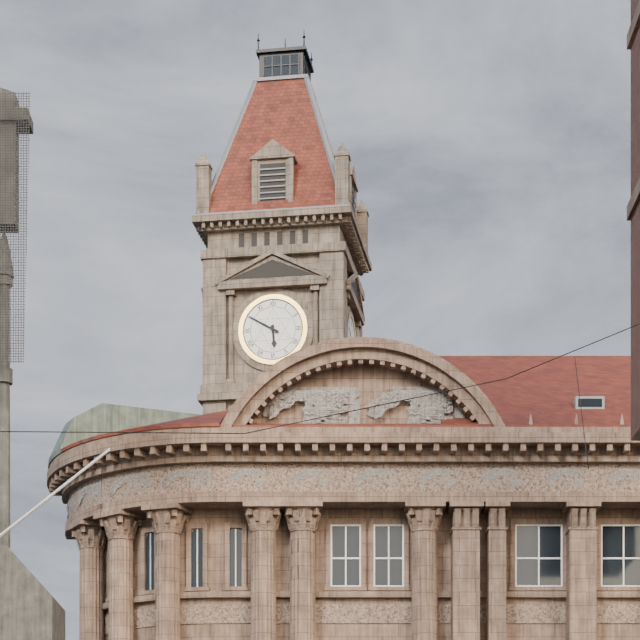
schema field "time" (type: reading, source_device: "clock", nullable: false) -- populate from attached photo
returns 5:50
